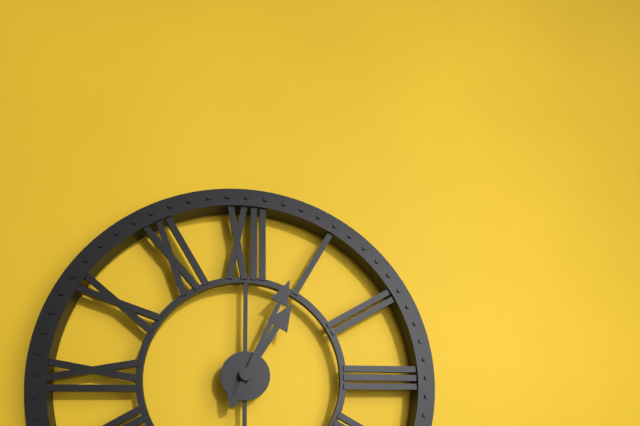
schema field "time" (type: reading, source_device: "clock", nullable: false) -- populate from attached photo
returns 1:04
